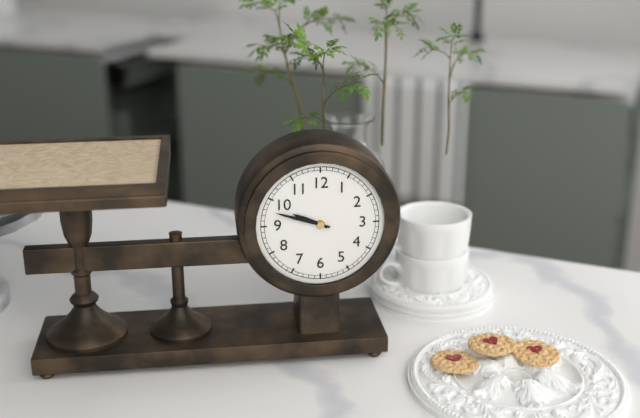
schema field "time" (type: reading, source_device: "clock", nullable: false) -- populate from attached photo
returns 9:48
